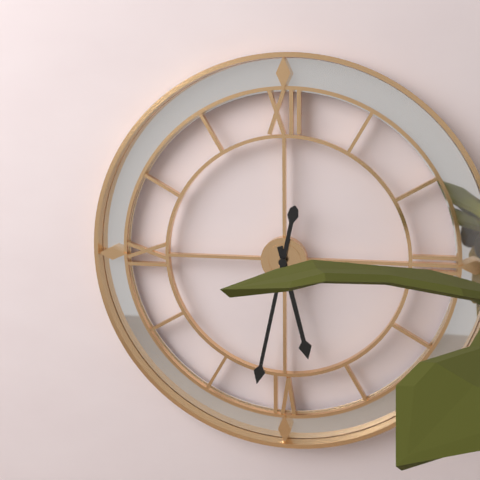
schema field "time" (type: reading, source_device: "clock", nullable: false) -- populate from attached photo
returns 5:32
